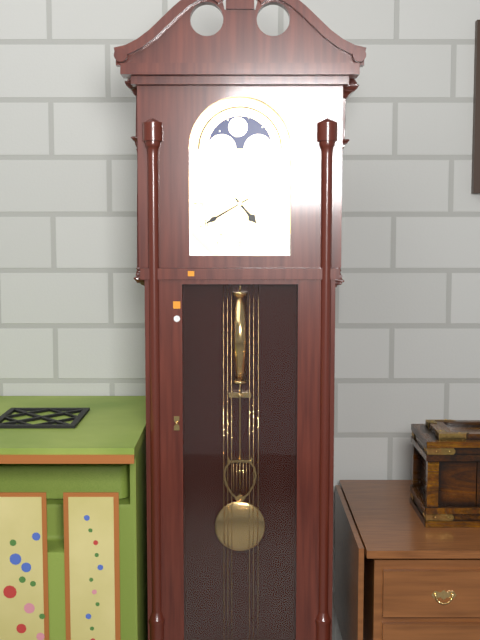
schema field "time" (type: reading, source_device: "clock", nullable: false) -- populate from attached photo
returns 4:40
